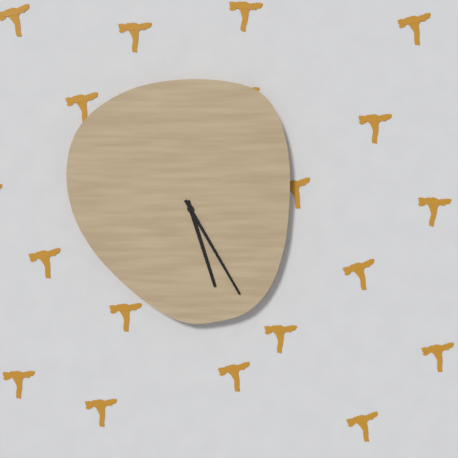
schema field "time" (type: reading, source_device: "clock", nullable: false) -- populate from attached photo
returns 5:25
